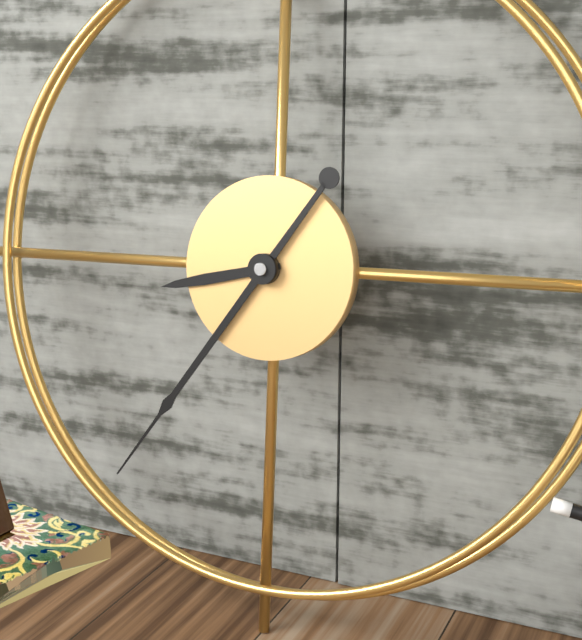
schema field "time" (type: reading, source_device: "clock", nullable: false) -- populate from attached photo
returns 8:36
